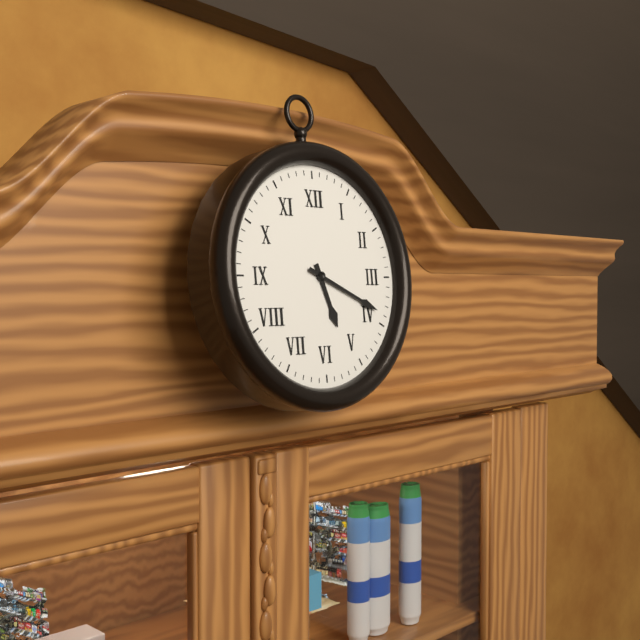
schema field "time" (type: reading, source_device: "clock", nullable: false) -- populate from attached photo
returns 5:19
